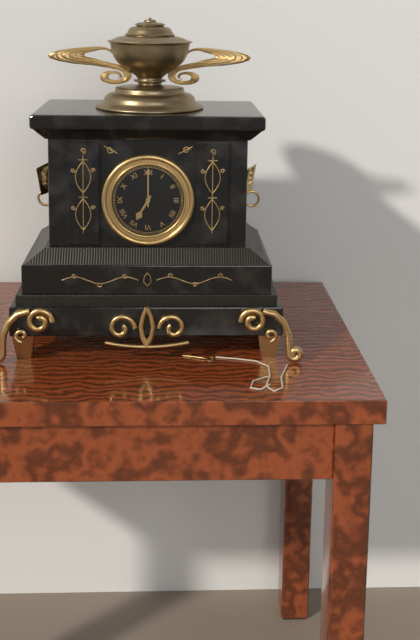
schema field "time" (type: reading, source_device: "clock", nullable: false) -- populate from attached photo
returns 7:00
